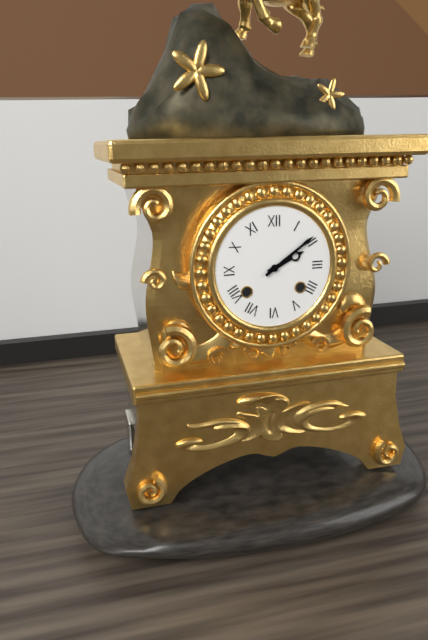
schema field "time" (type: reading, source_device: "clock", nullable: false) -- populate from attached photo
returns 2:09
